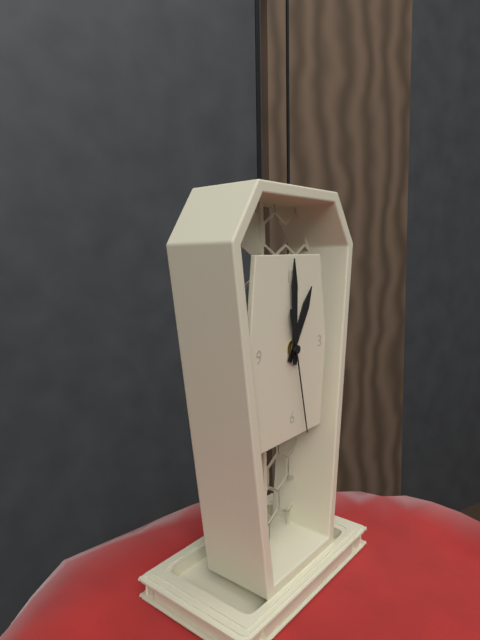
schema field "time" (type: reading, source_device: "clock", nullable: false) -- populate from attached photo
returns 1:00:28
